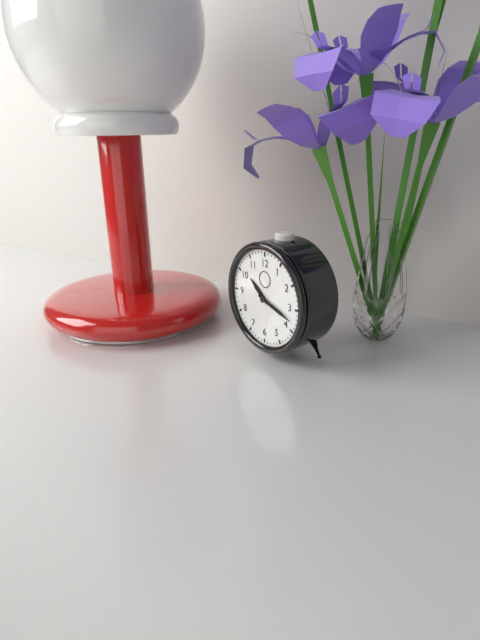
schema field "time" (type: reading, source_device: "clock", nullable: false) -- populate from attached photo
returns 10:18
